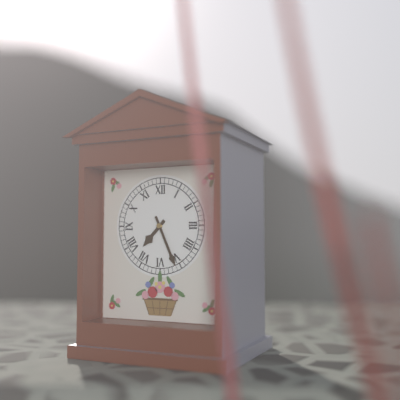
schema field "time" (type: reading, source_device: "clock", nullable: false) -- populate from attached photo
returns 7:26
